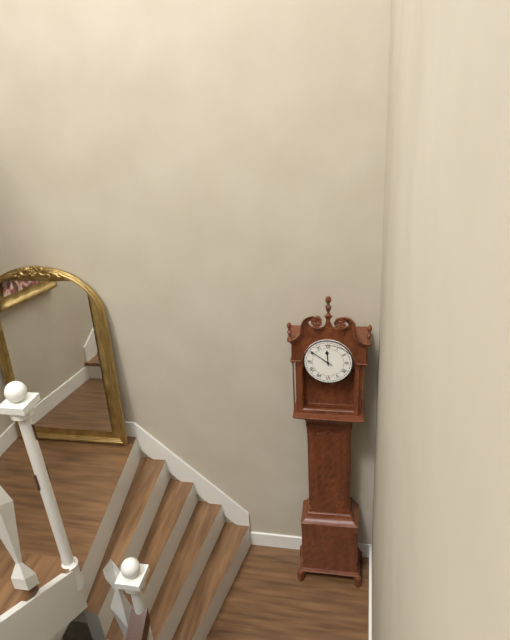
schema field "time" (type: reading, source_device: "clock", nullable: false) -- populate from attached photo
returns 11:51
